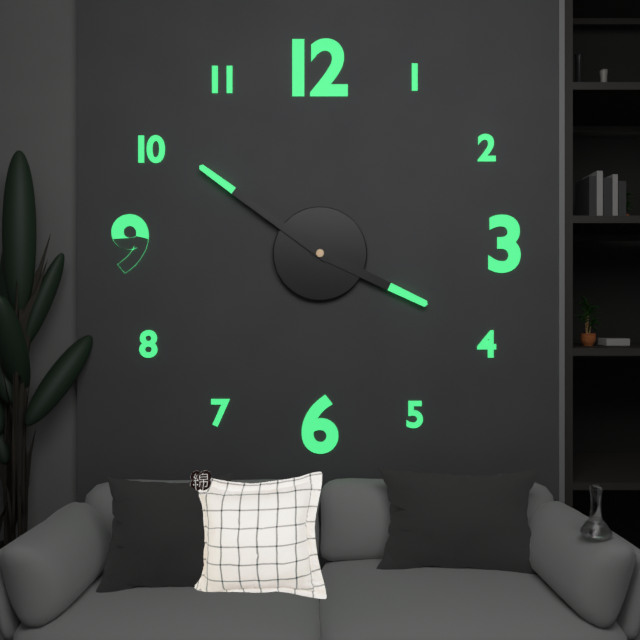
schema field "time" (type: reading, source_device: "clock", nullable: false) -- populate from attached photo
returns 3:51
